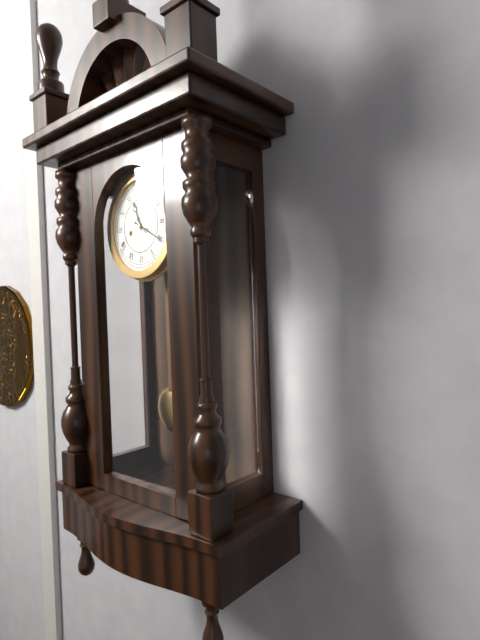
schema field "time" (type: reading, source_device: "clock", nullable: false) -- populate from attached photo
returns 11:20
